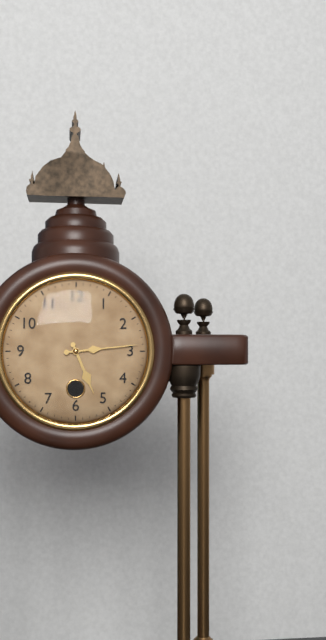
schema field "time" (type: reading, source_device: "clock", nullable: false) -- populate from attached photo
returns 5:14
